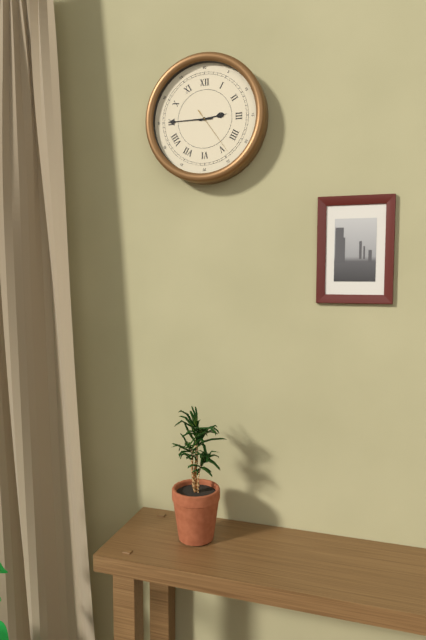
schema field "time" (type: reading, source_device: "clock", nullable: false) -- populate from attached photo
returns 2:45:24
